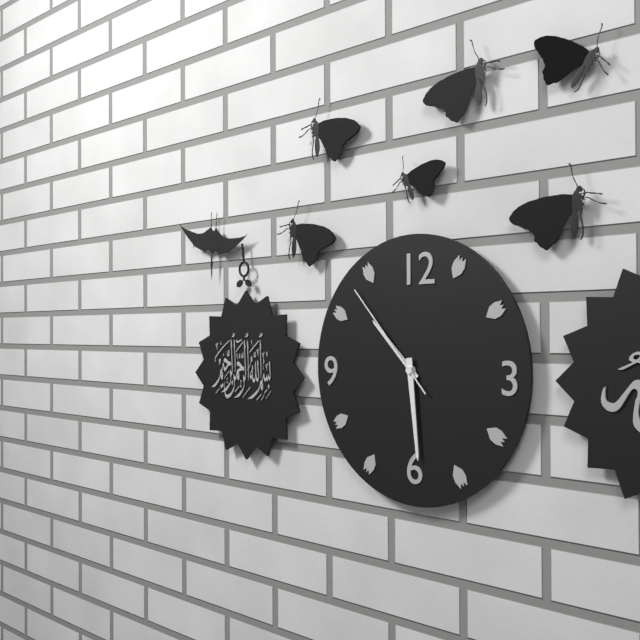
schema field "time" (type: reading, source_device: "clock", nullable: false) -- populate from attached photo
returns 10:29:53
